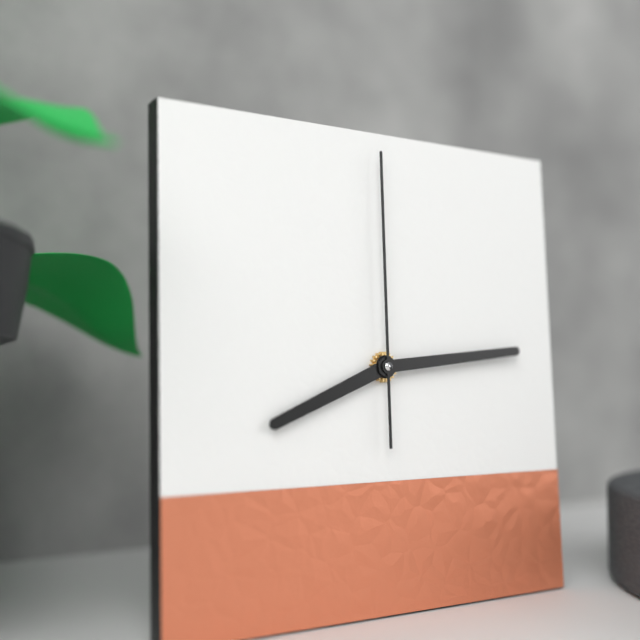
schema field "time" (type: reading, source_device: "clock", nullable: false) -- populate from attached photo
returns 8:14:00
